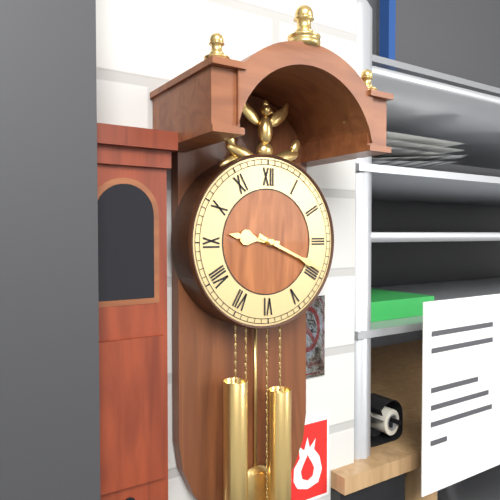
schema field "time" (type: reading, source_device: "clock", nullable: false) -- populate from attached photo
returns 9:19
